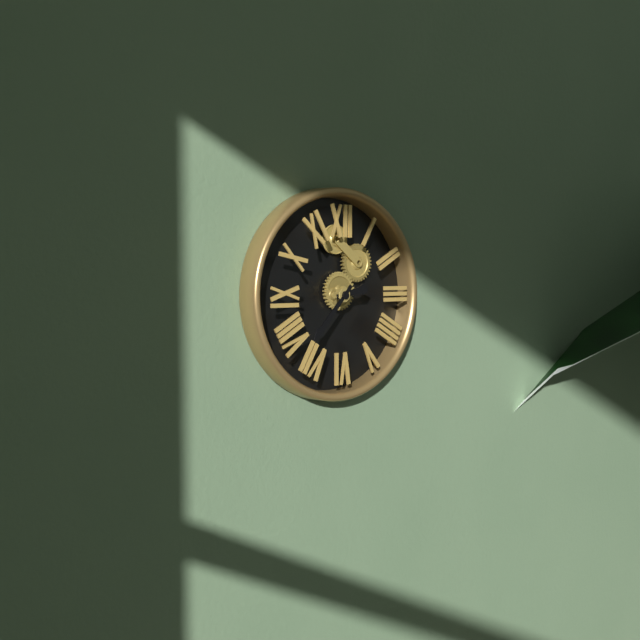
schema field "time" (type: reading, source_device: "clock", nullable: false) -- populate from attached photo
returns 2:37
